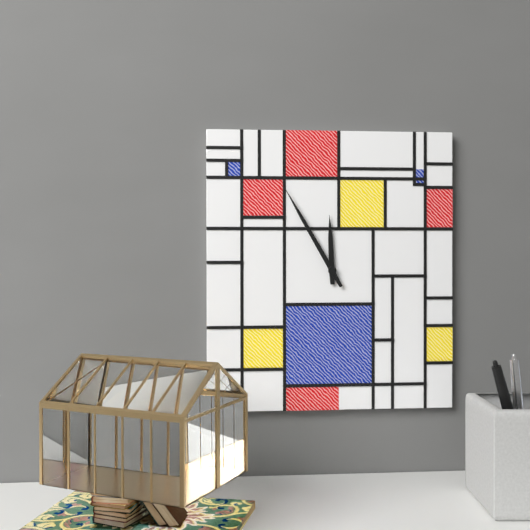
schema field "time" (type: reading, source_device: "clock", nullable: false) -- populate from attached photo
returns 11:55
